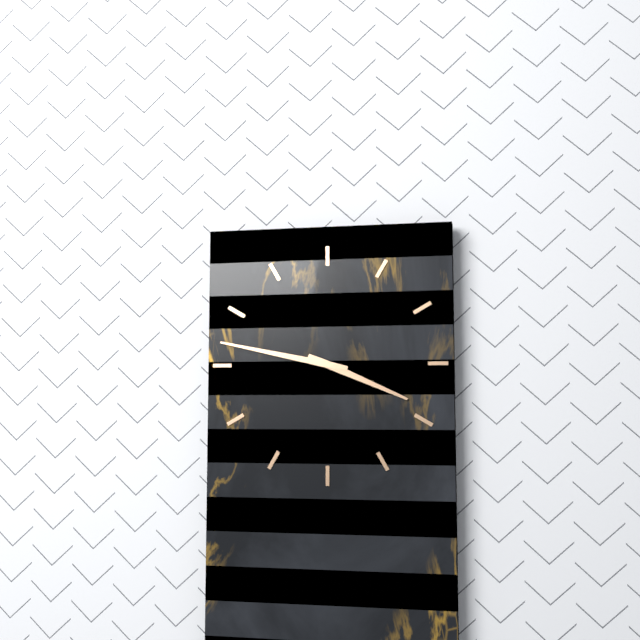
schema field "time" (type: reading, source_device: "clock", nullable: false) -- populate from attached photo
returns 3:47
